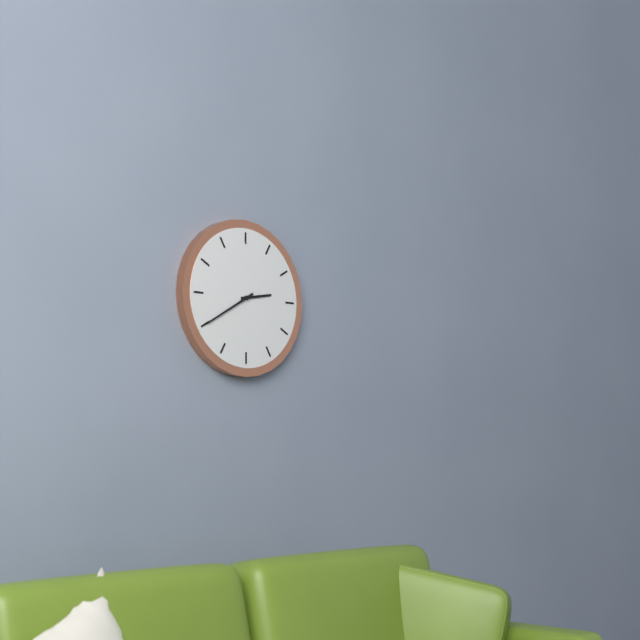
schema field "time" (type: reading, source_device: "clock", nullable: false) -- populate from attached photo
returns 2:40
